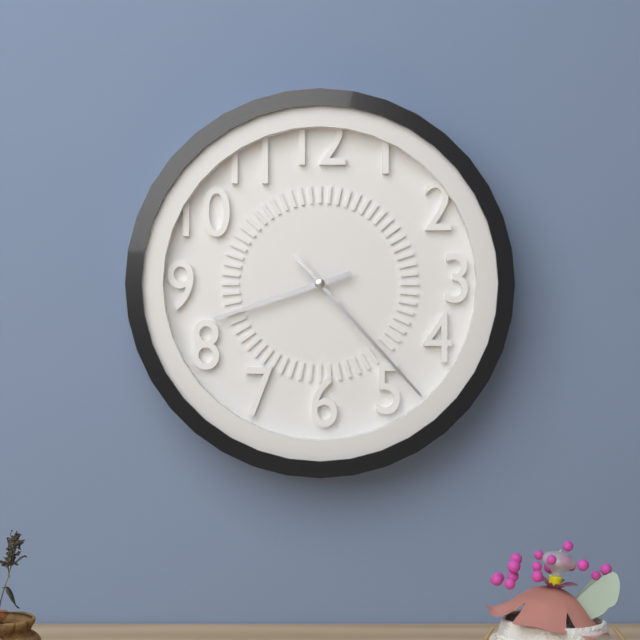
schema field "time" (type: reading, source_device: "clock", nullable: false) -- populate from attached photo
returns 8:23
